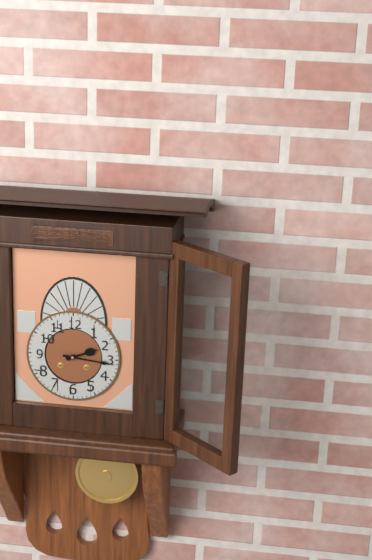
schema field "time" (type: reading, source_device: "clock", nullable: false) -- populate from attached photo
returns 2:16
